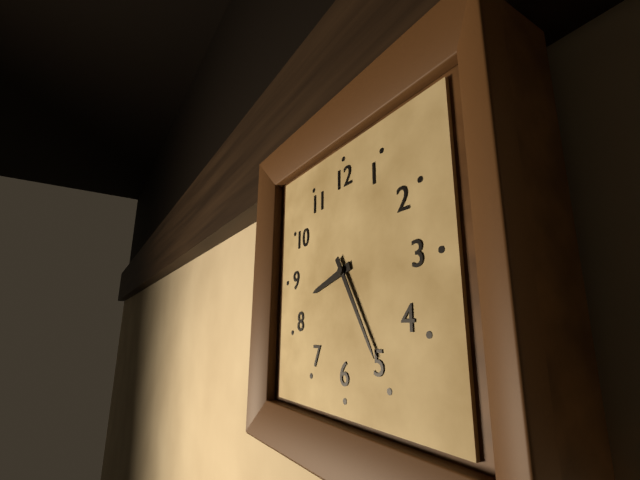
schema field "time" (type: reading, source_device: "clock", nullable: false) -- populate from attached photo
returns 8:25
